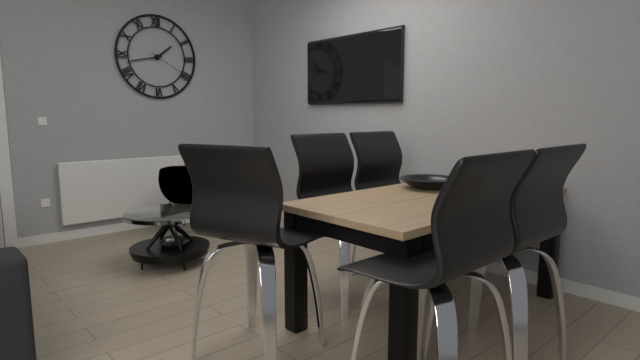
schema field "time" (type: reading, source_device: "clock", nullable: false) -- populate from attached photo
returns 1:43
